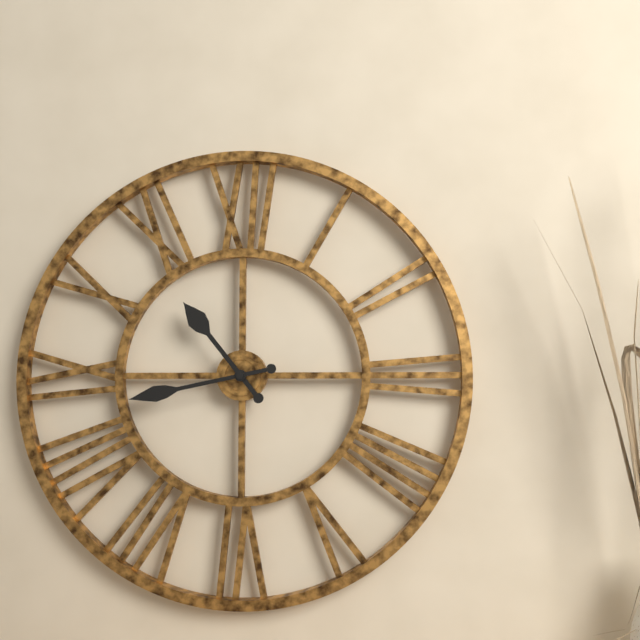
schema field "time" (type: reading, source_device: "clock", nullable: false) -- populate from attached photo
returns 10:43
